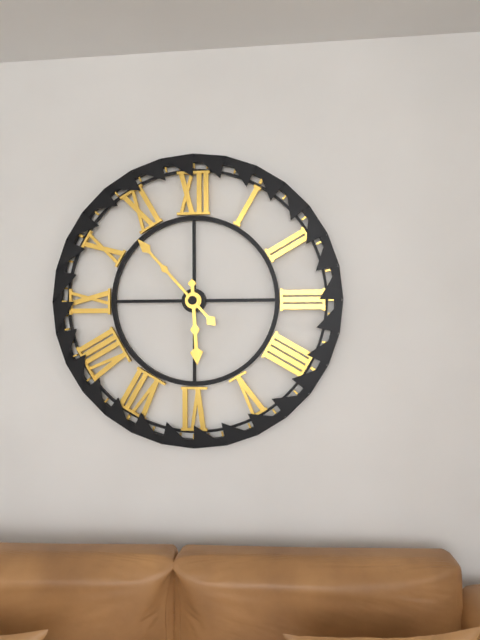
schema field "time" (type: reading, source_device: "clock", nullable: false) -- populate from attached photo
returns 5:53
